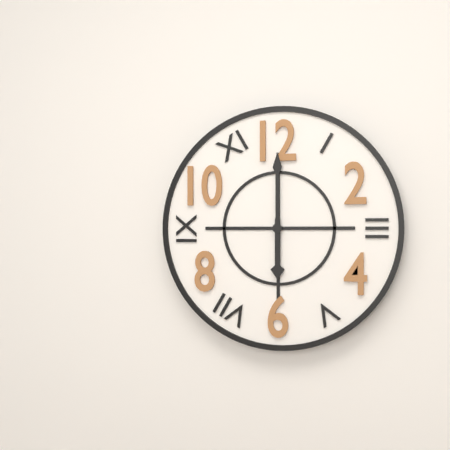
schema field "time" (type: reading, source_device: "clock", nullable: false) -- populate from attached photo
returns 6:00
